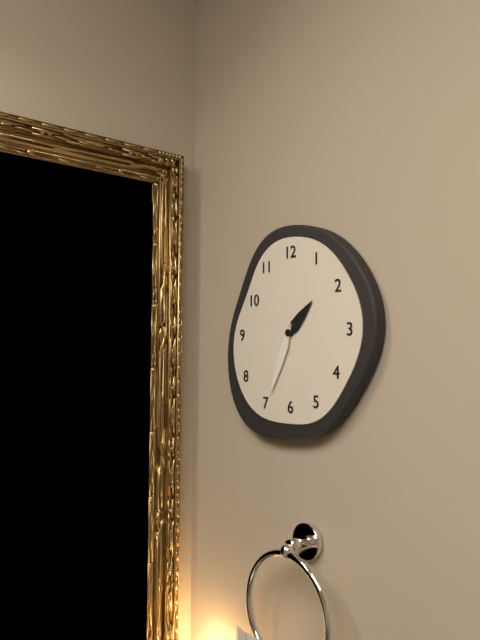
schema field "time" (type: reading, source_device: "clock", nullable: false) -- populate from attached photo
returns 1:34
